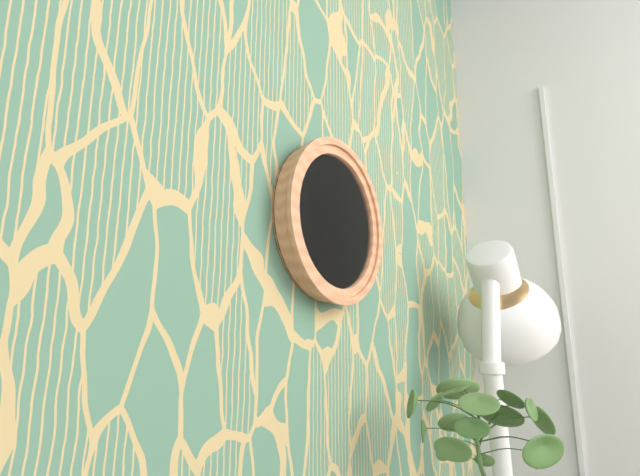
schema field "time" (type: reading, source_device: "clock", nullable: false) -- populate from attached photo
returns 12:44
